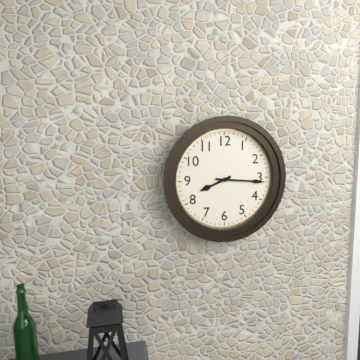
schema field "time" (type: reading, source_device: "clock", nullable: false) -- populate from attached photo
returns 8:16
